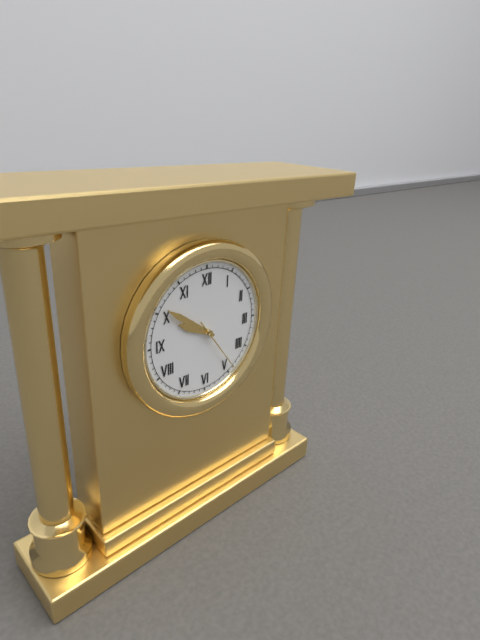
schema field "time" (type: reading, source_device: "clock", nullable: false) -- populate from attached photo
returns 9:51:24
